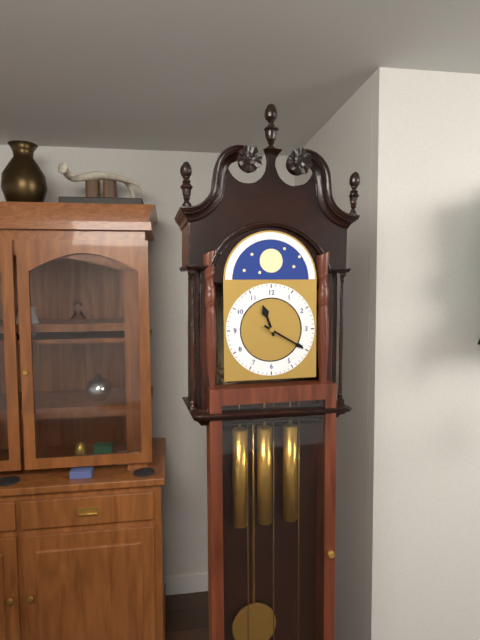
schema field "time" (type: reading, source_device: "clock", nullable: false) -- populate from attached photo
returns 11:20
